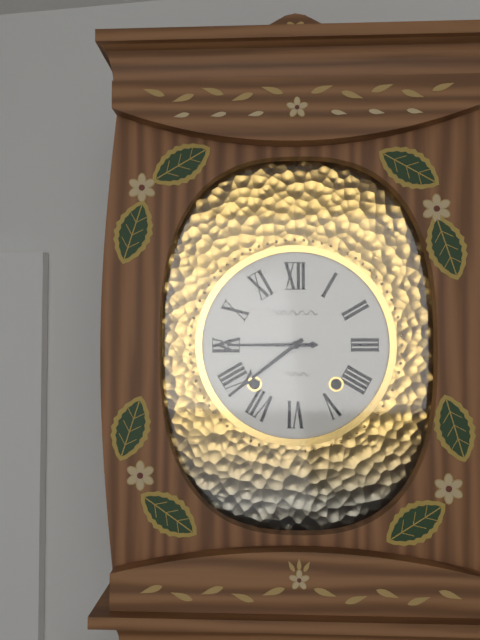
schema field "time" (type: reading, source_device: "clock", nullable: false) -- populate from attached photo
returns 7:45
